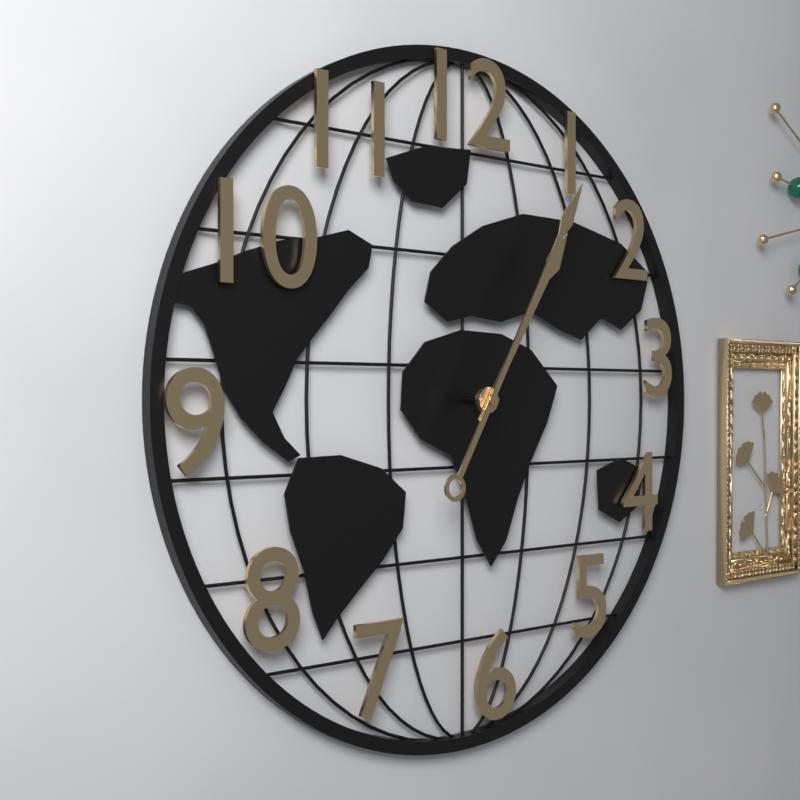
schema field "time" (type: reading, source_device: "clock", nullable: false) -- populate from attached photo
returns 1:05
